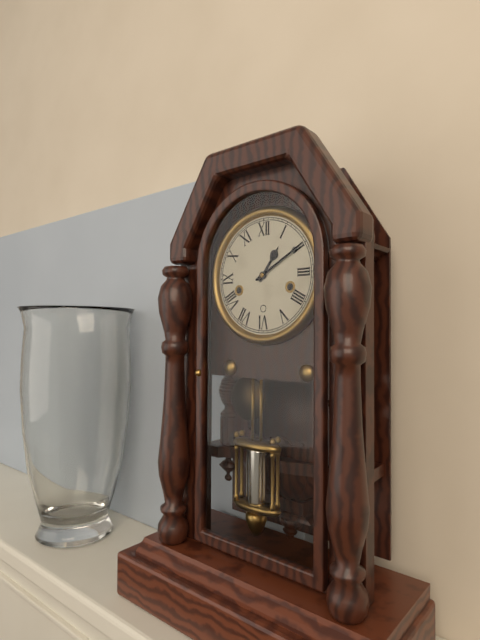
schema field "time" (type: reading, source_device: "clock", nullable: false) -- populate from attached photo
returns 1:10
